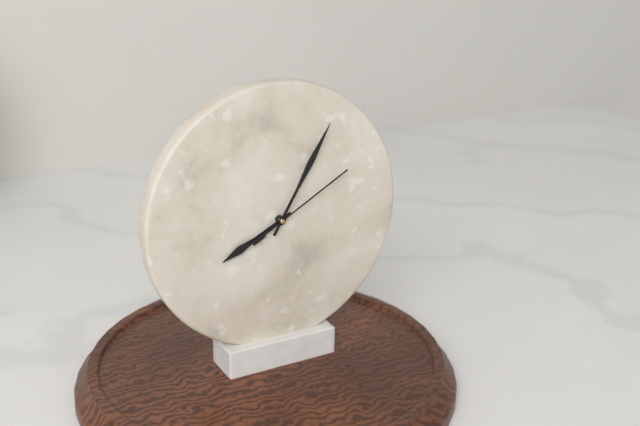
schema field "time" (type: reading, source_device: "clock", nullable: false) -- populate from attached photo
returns 8:05:10
